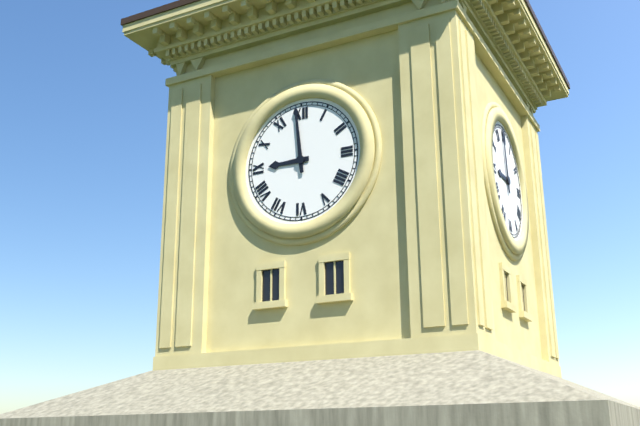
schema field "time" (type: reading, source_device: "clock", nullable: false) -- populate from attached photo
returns 8:59
